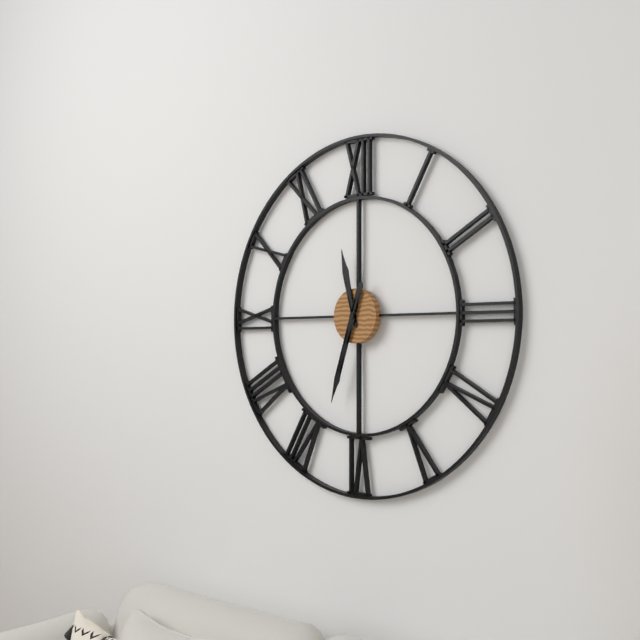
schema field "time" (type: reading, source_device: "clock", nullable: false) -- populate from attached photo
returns 11:33
